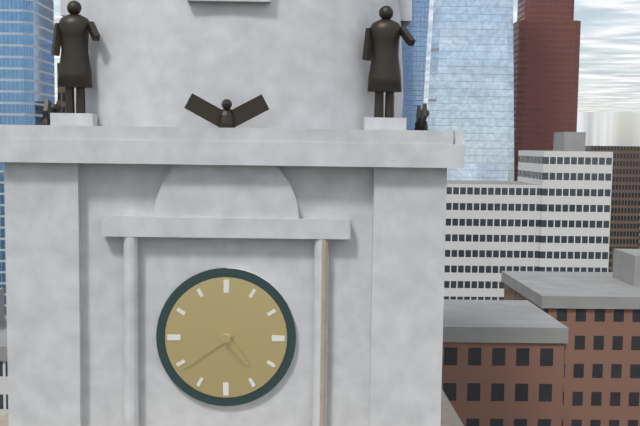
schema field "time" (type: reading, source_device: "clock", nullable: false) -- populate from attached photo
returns 4:39
